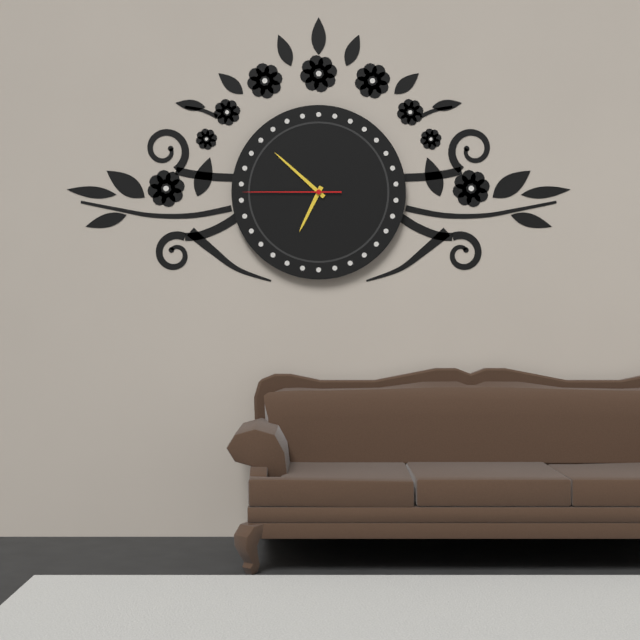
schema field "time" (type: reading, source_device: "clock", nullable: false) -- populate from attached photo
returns 6:52:45
